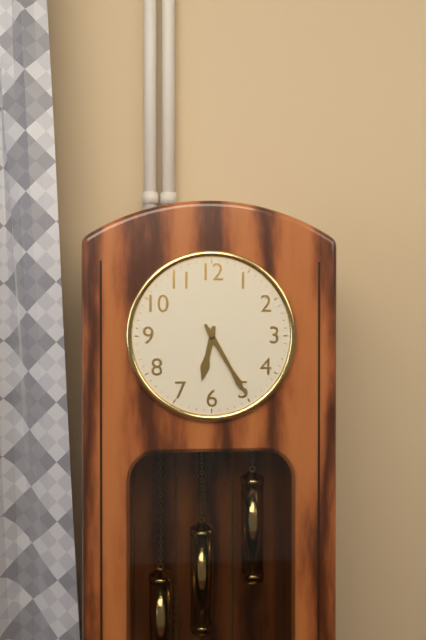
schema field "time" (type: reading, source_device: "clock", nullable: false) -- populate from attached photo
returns 6:25
